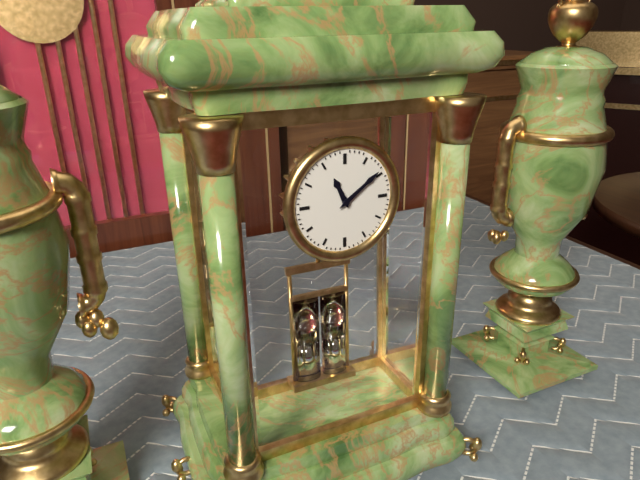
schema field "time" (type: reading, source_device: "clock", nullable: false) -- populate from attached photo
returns 11:09
